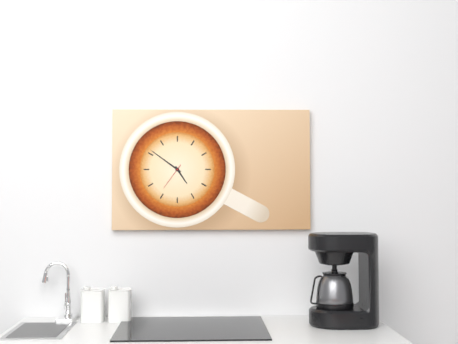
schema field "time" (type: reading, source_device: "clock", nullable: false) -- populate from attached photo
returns 4:51
